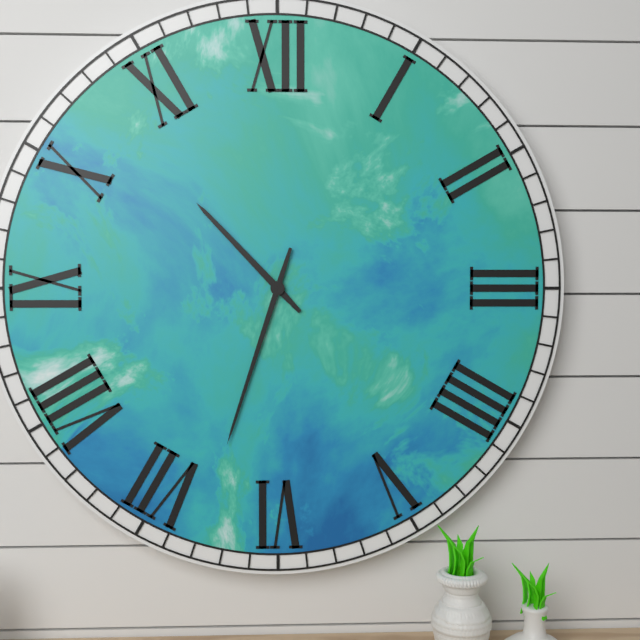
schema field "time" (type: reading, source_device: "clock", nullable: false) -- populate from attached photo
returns 10:33
